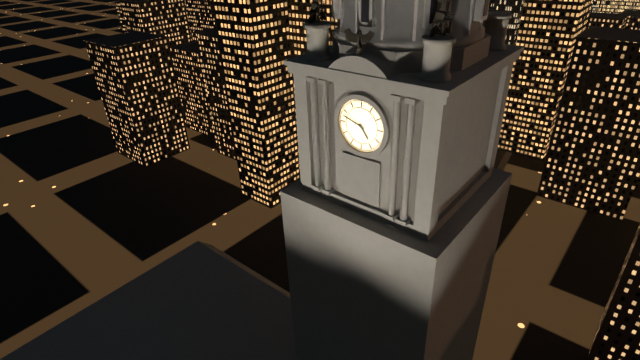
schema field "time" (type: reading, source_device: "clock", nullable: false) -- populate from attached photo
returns 4:48
